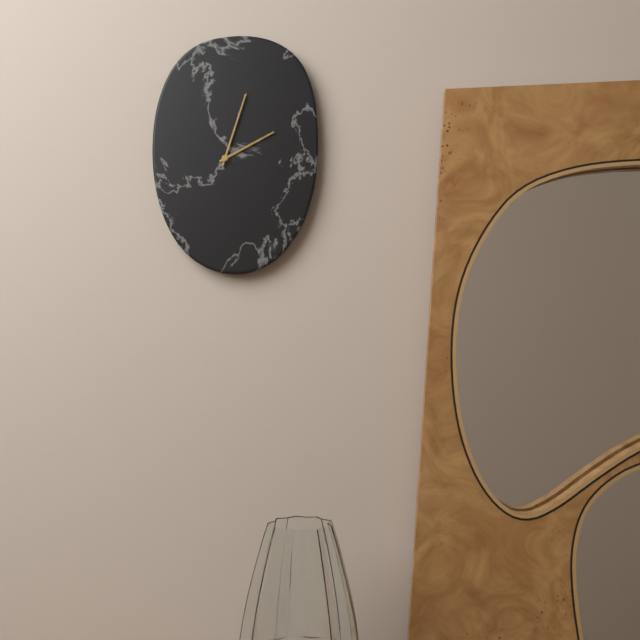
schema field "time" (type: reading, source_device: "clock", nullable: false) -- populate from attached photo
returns 2:03
